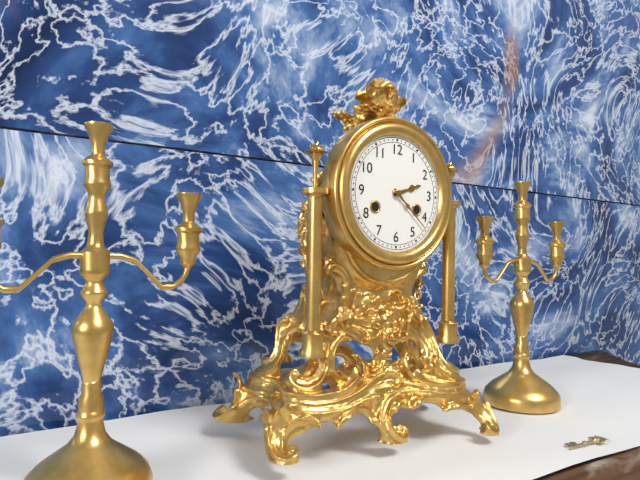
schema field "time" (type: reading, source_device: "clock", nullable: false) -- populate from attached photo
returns 2:22
